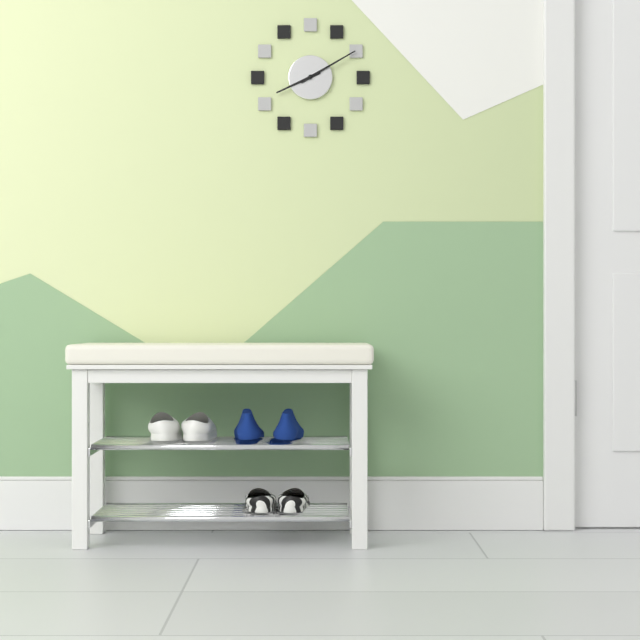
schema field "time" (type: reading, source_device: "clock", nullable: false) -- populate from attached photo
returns 8:10
